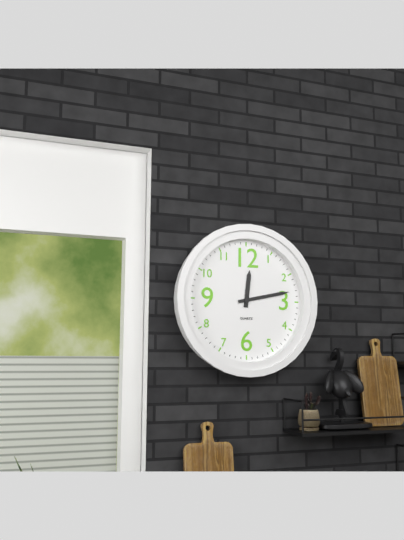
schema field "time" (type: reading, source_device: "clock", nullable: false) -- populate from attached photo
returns 12:13
